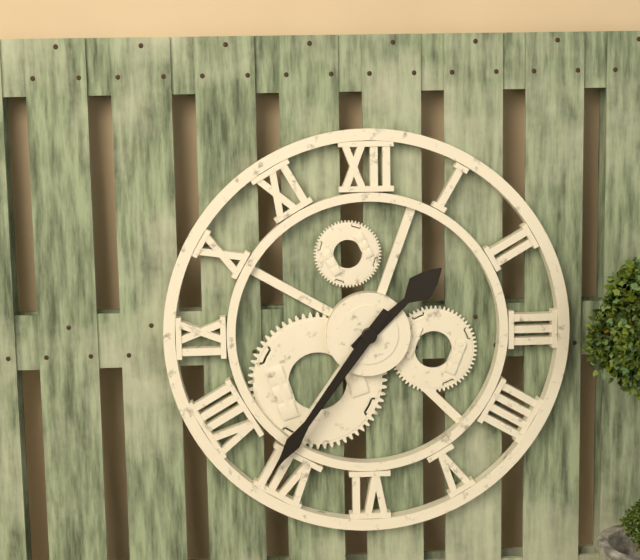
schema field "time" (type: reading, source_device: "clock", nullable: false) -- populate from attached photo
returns 1:36
